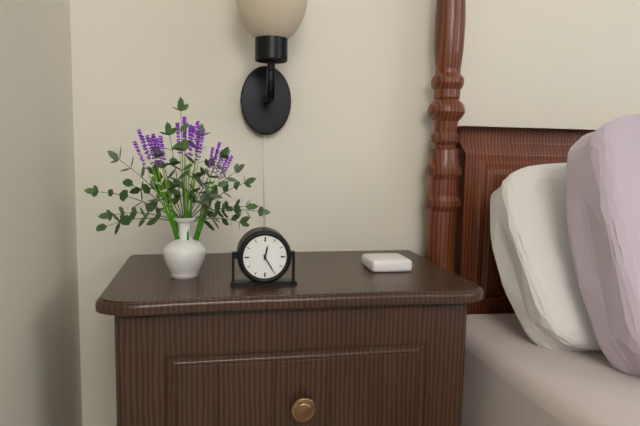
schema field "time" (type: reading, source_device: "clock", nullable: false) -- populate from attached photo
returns 12:25
